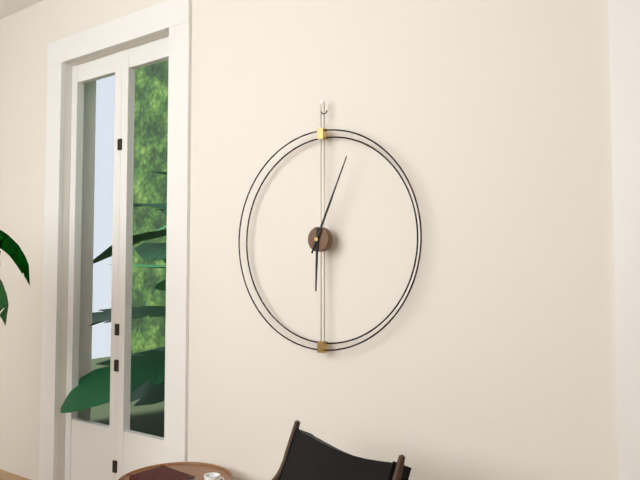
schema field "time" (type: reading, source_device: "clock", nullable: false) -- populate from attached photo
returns 6:04
